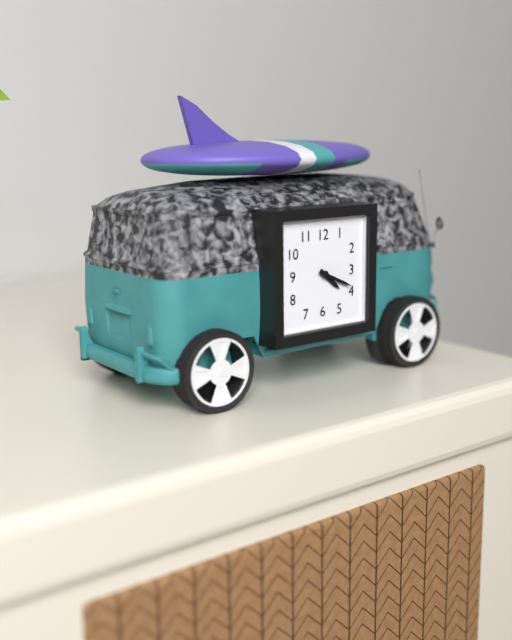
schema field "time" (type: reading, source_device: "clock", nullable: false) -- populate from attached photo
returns 4:19
